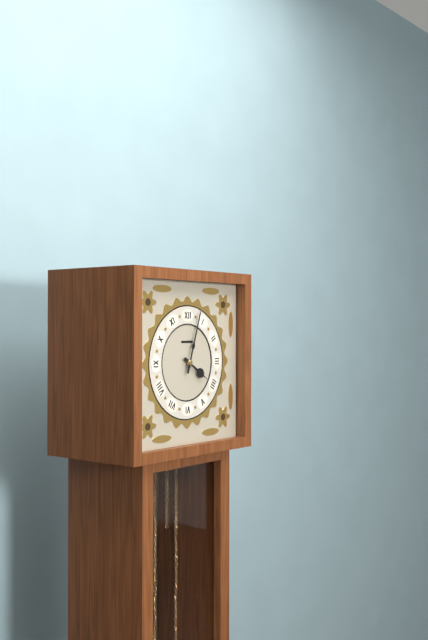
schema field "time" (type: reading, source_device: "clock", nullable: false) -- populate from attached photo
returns 4:03
